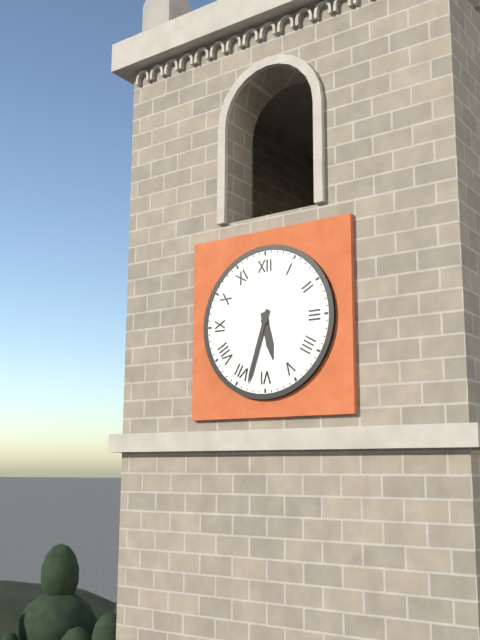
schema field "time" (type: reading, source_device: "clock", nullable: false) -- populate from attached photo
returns 5:33
